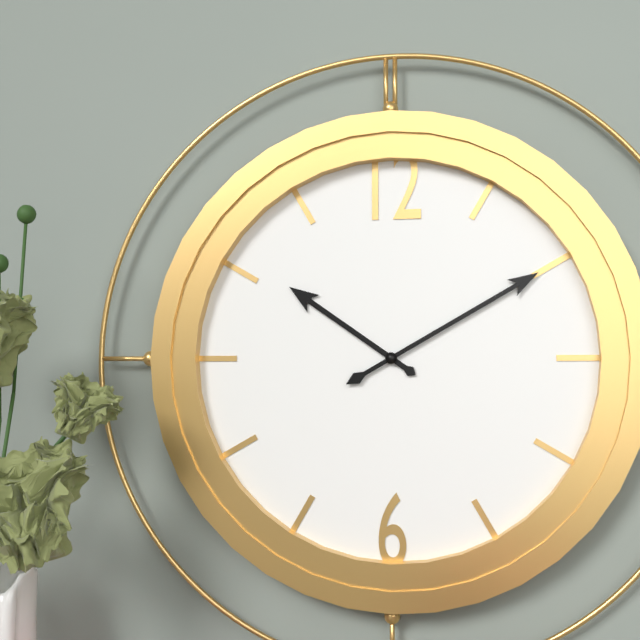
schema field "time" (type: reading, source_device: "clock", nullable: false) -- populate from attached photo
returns 10:10
